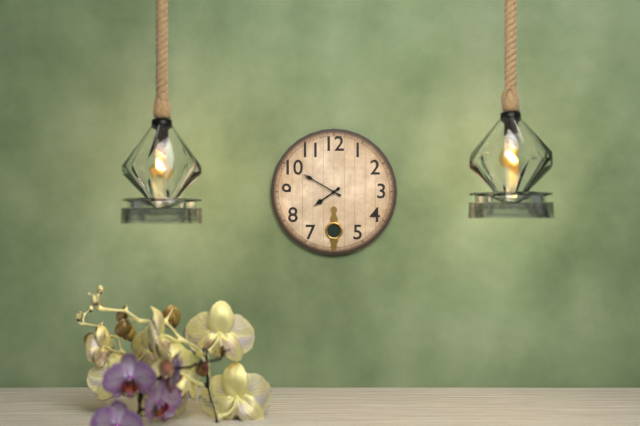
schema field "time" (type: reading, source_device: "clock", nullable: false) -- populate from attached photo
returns 7:50
